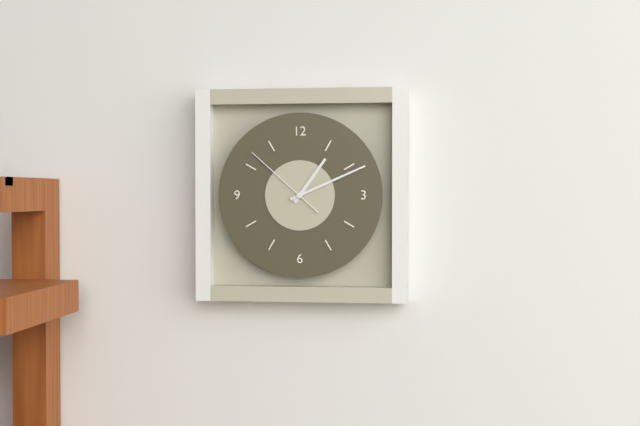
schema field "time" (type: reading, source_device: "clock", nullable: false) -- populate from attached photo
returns 1:11:52
